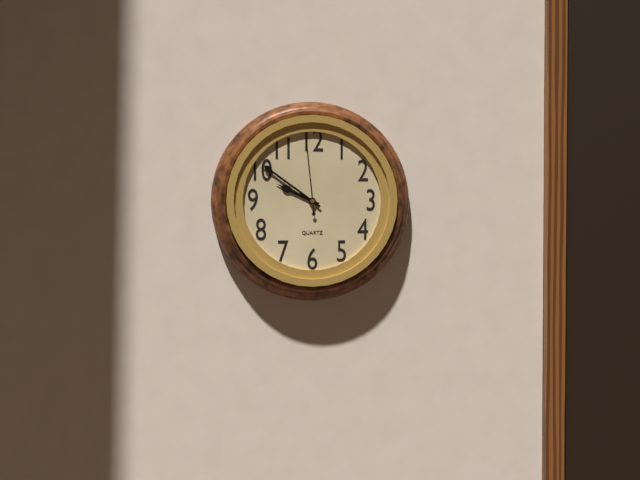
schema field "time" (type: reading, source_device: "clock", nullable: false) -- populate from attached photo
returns 9:51:59
